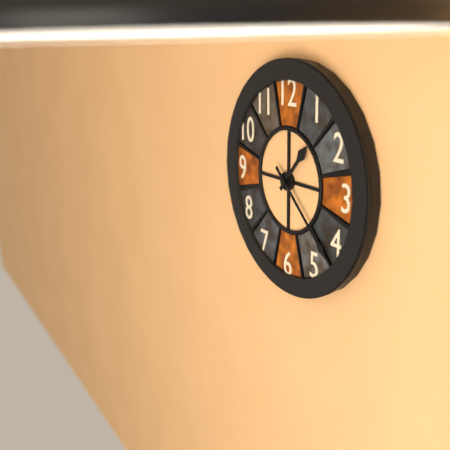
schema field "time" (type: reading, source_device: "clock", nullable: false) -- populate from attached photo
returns 1:22
